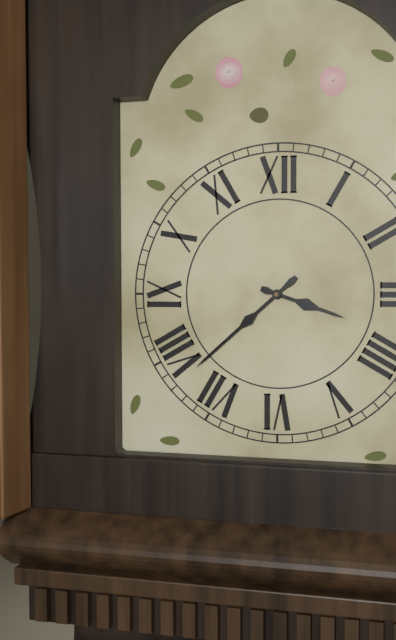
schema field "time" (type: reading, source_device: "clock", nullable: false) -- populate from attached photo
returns 3:38
